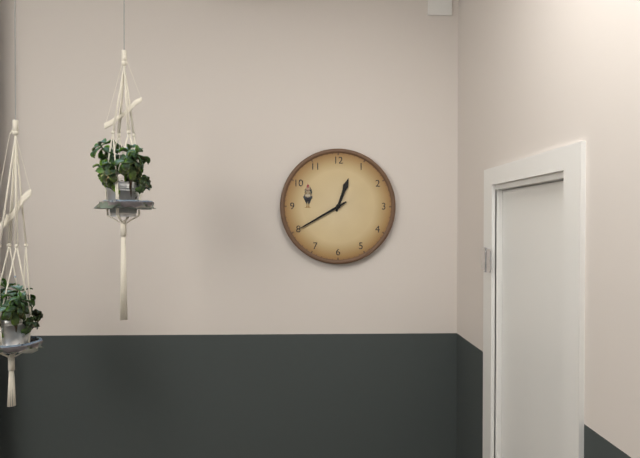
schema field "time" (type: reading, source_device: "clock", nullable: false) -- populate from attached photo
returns 12:40
